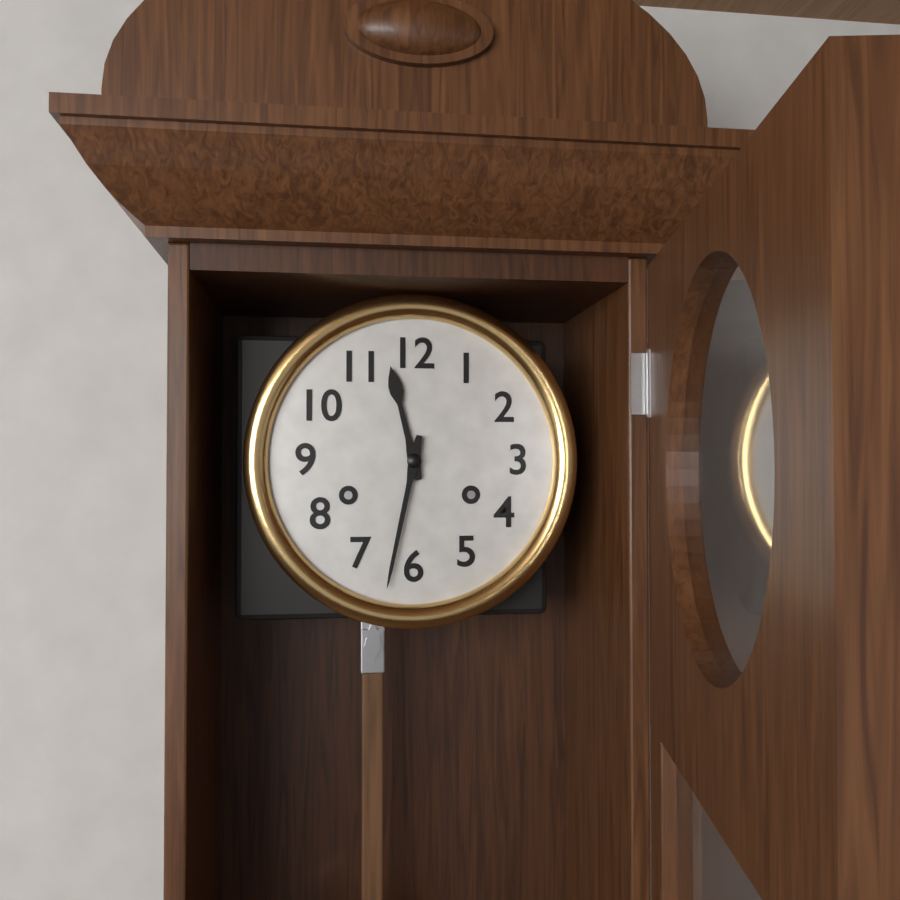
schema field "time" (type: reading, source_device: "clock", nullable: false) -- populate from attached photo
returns 11:32
